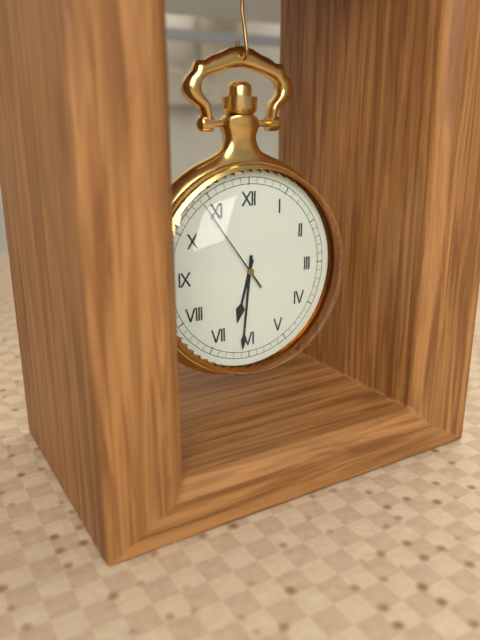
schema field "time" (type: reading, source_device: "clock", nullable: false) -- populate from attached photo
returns 6:31:54
